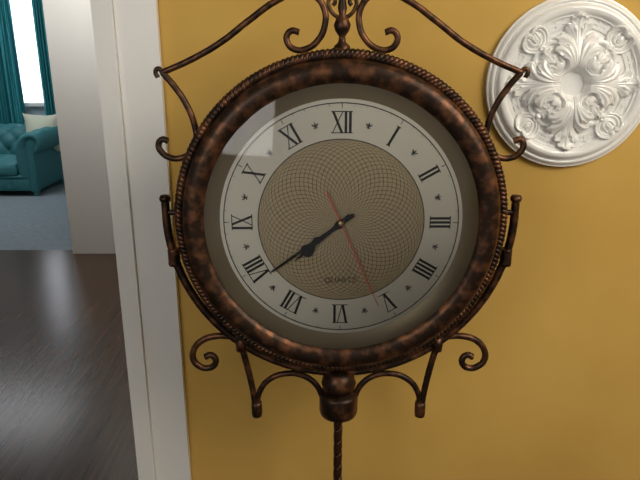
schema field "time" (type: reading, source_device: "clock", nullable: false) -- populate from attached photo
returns 7:39:26
